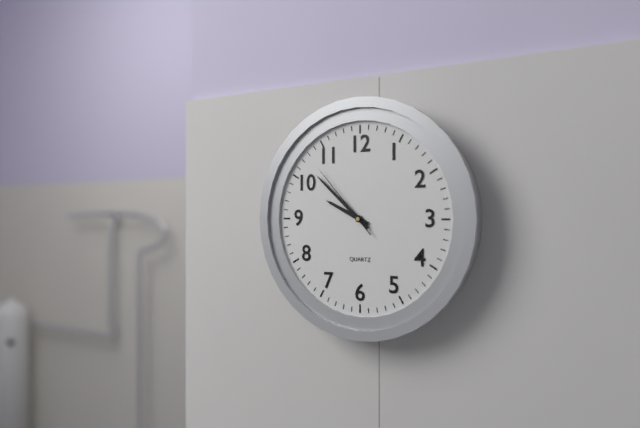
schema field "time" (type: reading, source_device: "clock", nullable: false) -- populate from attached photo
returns 9:52:53
